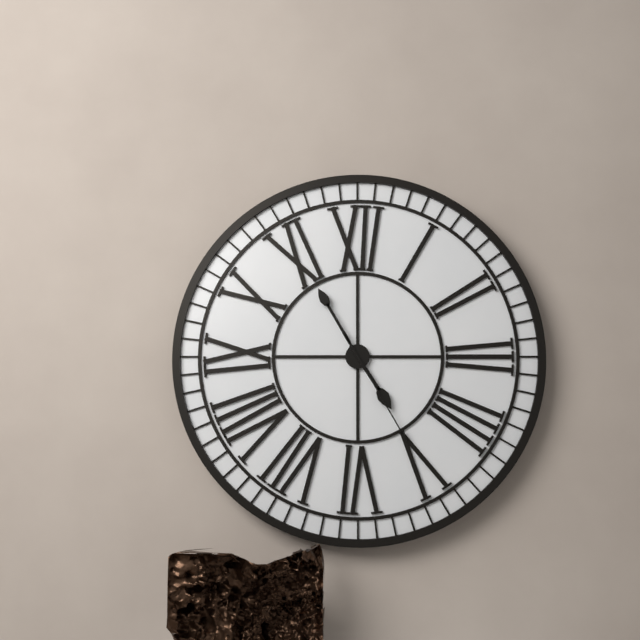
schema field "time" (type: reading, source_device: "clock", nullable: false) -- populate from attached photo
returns 4:55:25
